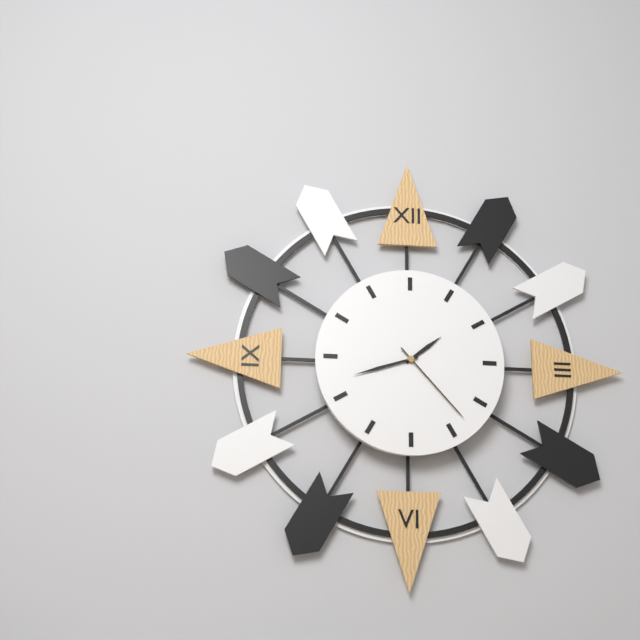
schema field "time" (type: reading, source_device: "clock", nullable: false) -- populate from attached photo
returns 1:42:23
